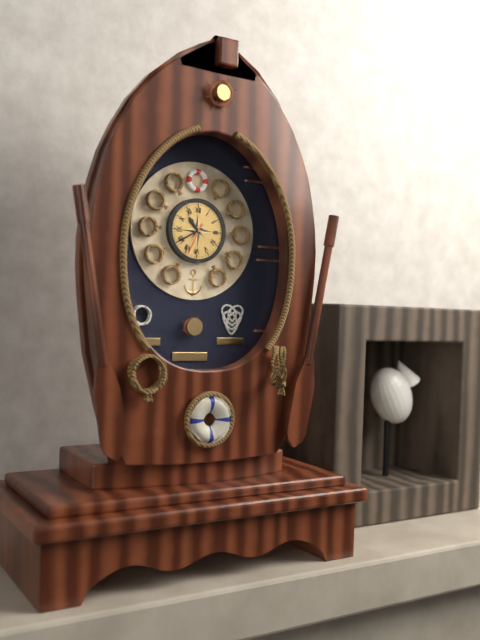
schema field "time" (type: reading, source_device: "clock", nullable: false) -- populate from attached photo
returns 10:40
